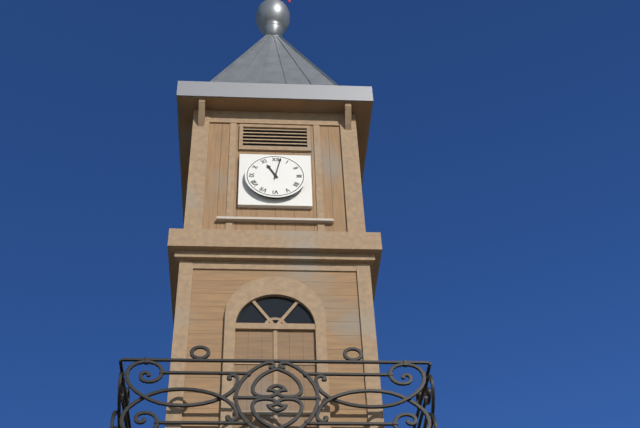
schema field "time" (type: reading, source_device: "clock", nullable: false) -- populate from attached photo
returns 11:02
